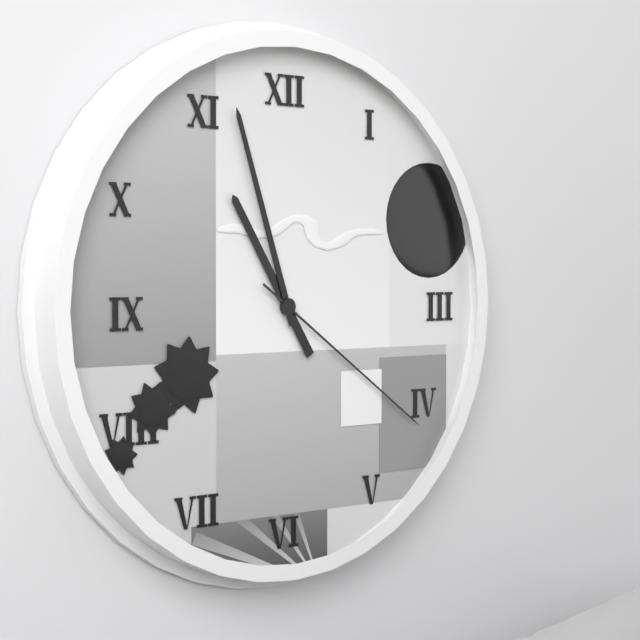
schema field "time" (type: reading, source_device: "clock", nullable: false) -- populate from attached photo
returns 10:57:21
